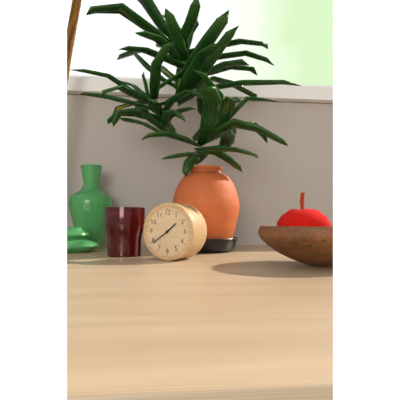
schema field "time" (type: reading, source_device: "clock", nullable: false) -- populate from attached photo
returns 1:39
